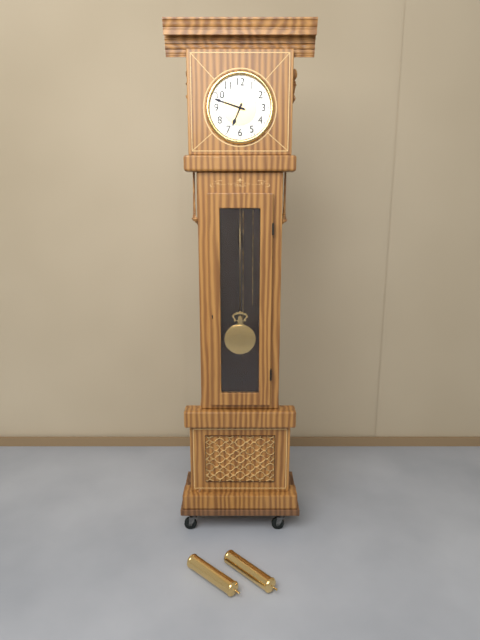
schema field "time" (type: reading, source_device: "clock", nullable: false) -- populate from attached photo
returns 6:48
